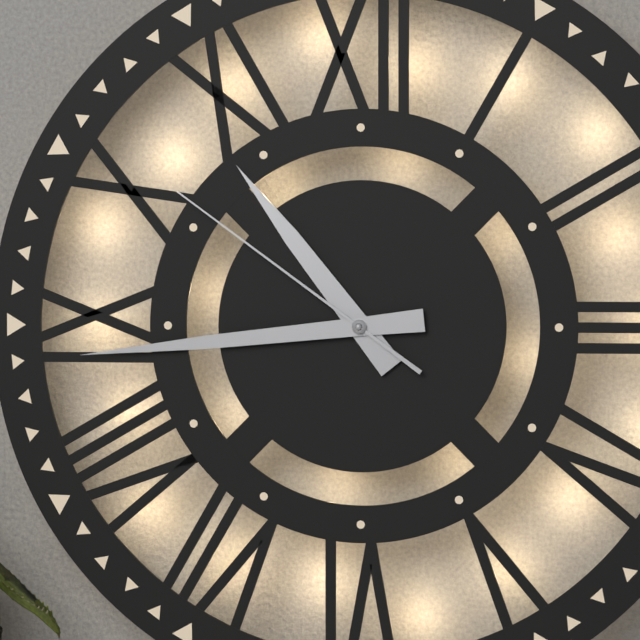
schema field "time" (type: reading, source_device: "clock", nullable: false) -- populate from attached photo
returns 10:44:51
